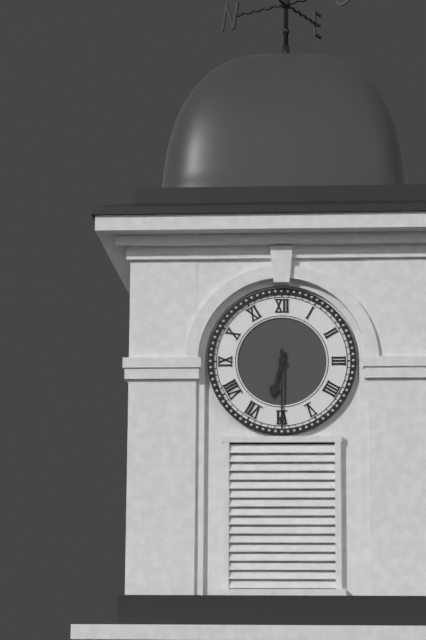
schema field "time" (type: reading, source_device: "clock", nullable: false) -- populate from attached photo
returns 6:30
